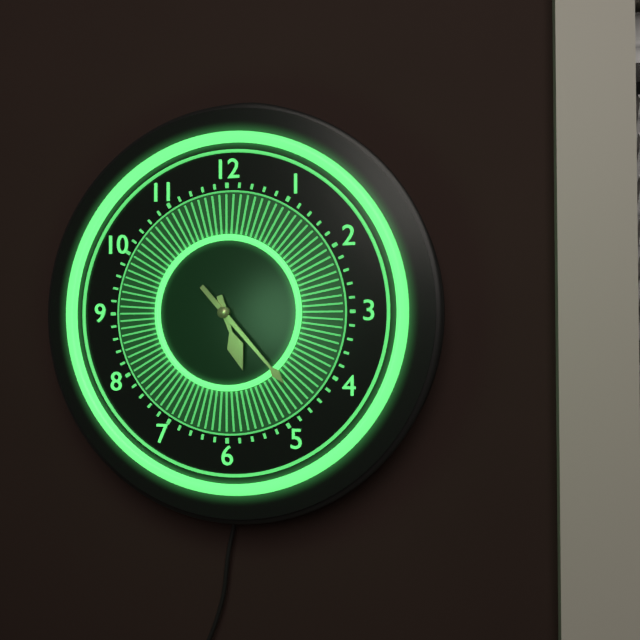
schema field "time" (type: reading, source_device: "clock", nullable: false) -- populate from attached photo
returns 5:23
